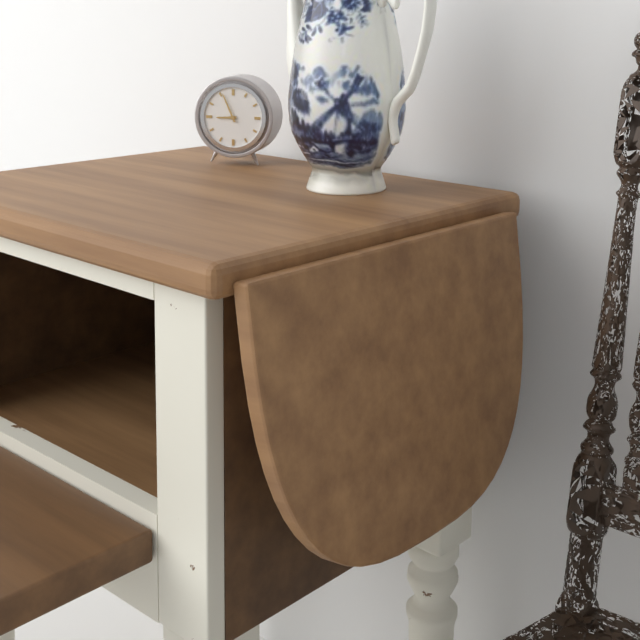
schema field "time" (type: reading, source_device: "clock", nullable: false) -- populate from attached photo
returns 8:56
